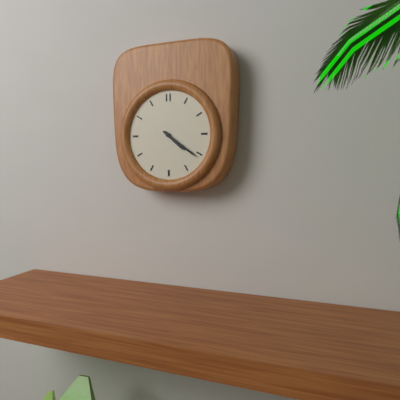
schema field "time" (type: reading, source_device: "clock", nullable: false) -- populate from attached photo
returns 4:21
